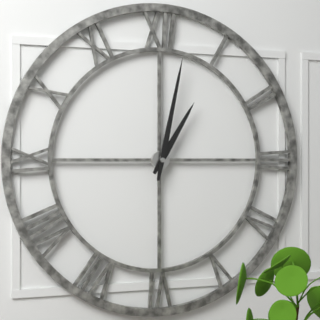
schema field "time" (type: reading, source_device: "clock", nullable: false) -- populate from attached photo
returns 1:02
